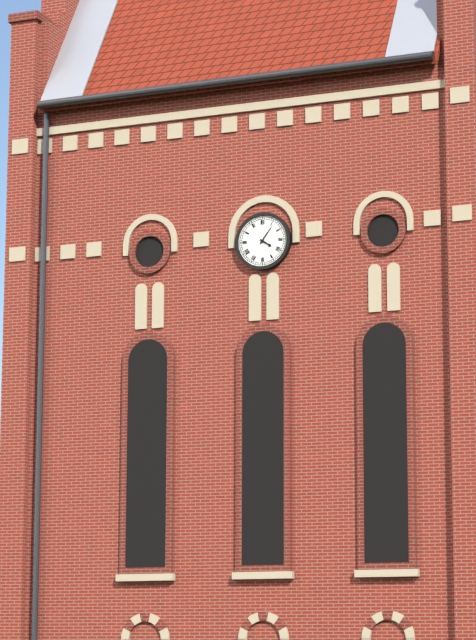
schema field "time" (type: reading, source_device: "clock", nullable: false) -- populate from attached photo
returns 4:06
